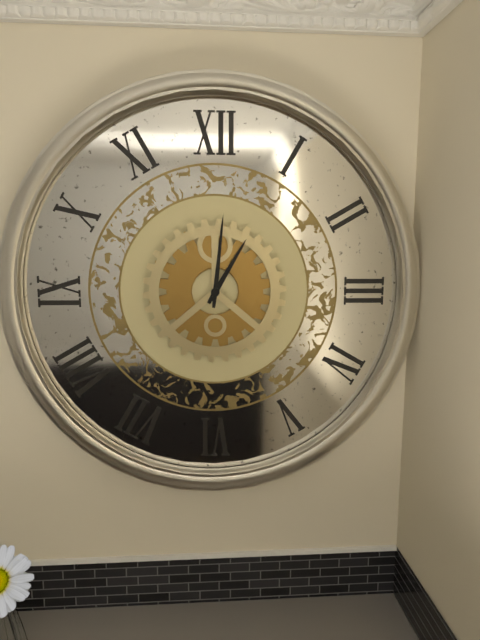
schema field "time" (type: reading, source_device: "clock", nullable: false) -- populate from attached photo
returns 1:01
